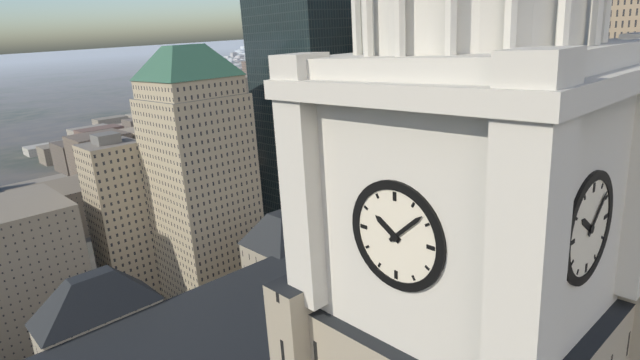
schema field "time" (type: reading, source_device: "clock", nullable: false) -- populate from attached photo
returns 10:08
